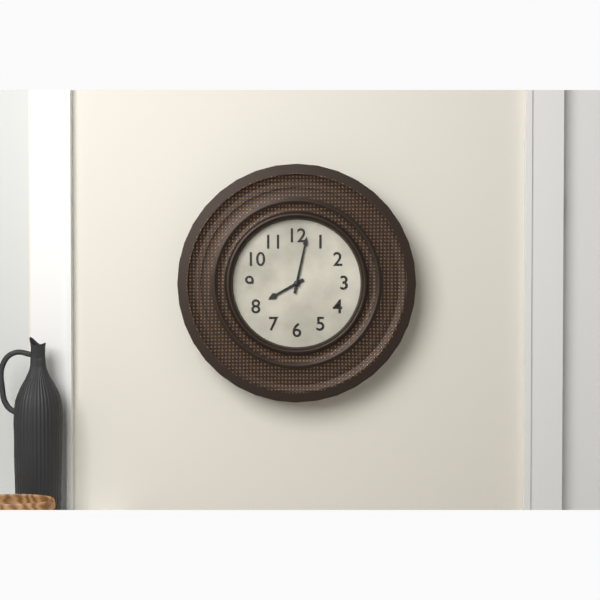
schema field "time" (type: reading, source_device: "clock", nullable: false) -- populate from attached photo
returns 8:02
